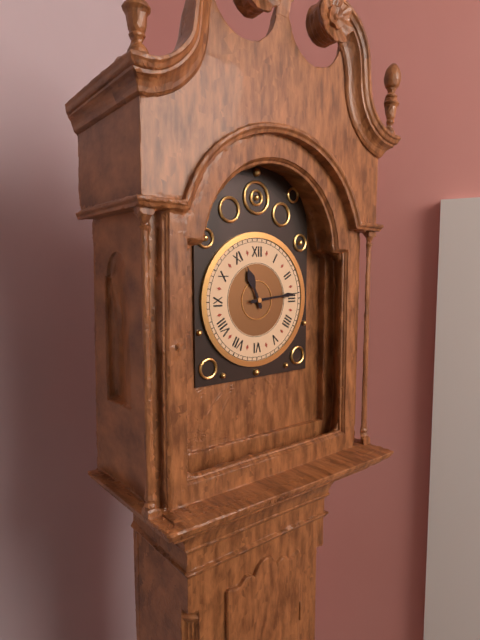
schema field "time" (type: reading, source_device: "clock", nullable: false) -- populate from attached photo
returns 11:14
